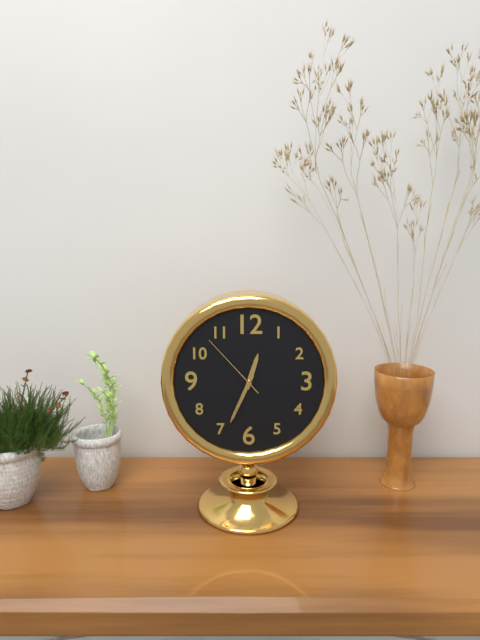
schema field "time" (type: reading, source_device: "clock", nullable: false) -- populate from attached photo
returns 12:34:53
